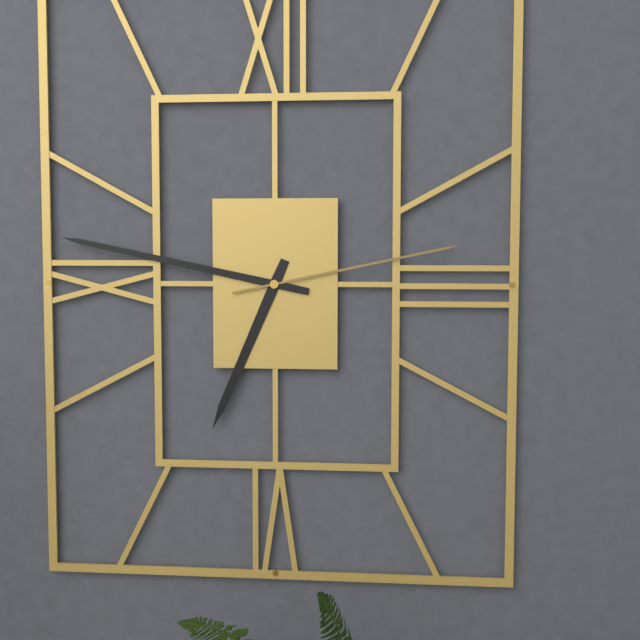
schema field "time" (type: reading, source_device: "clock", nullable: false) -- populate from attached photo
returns 6:47:13
